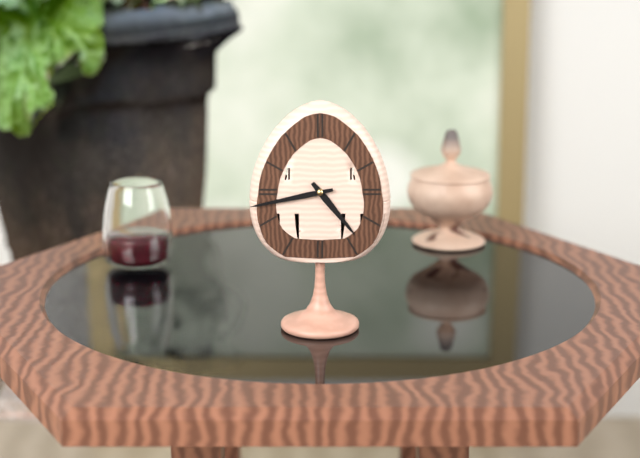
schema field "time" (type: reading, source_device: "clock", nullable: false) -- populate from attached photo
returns 4:43
